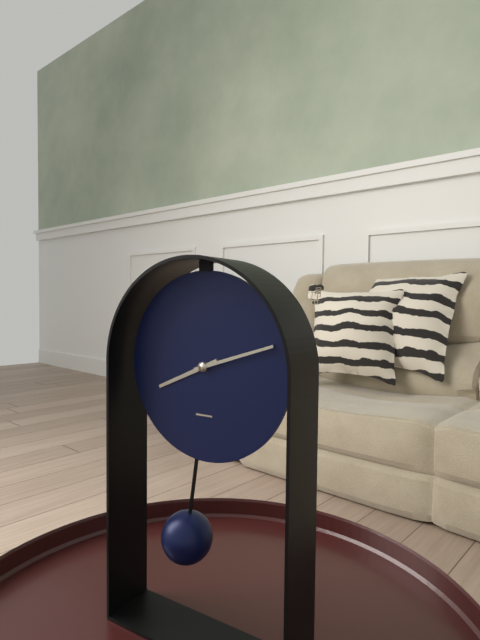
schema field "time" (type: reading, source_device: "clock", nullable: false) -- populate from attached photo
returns 8:12
